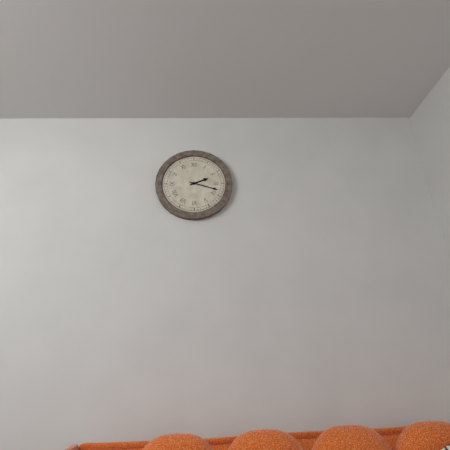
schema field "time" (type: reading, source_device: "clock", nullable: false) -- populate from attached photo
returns 2:18
